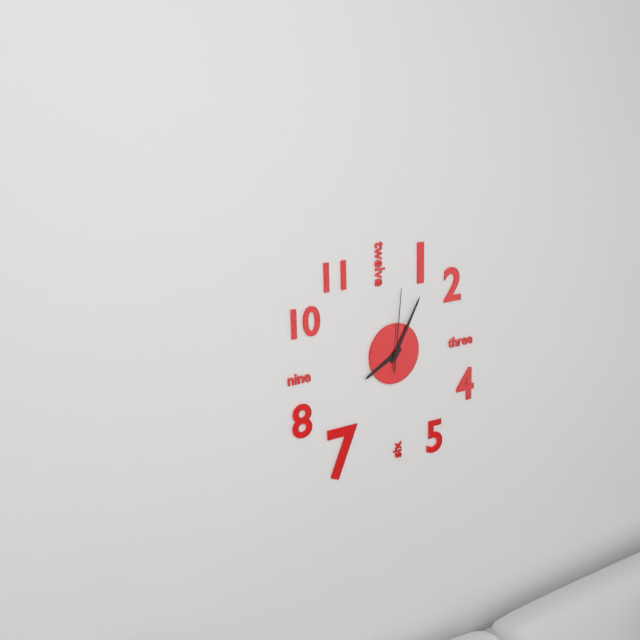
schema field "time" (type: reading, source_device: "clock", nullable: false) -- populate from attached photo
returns 8:05:01
